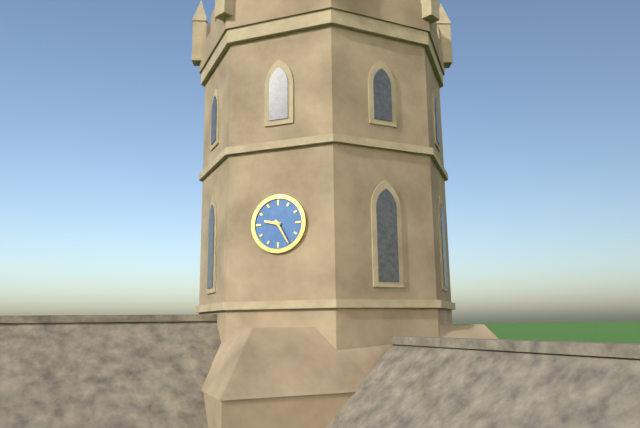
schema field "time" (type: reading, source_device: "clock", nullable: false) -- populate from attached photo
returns 9:25
